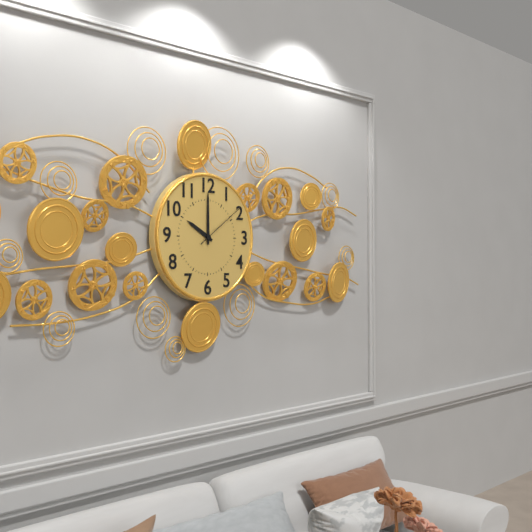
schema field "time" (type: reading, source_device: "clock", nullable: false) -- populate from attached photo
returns 10:00:09
